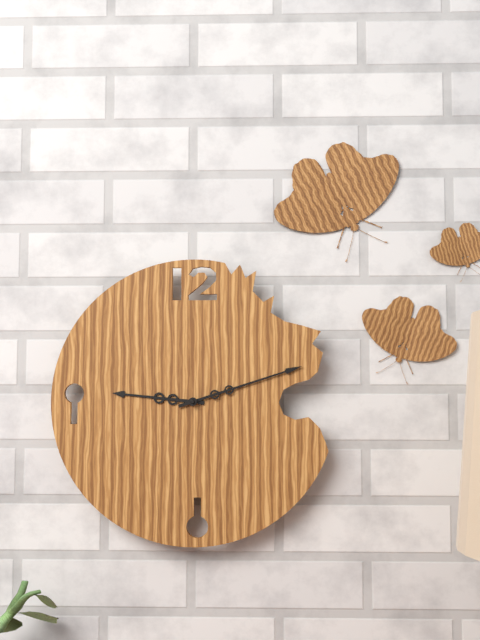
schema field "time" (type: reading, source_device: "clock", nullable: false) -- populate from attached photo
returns 9:12
